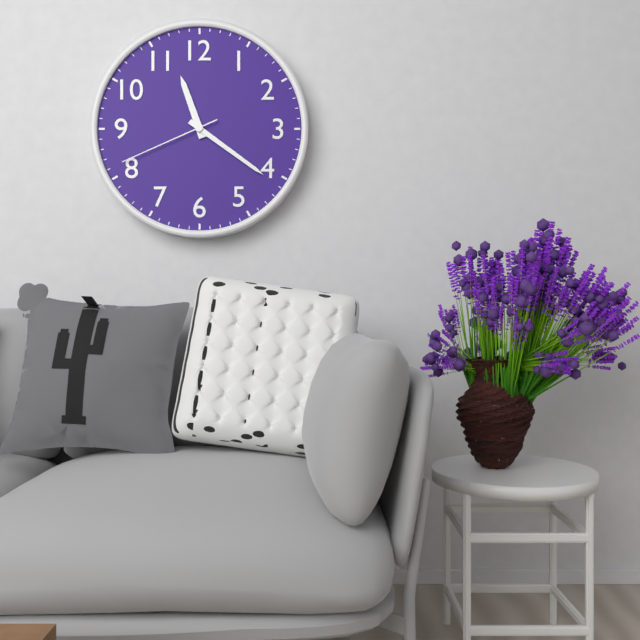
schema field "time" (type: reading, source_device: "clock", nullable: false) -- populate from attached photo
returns 11:21:41
